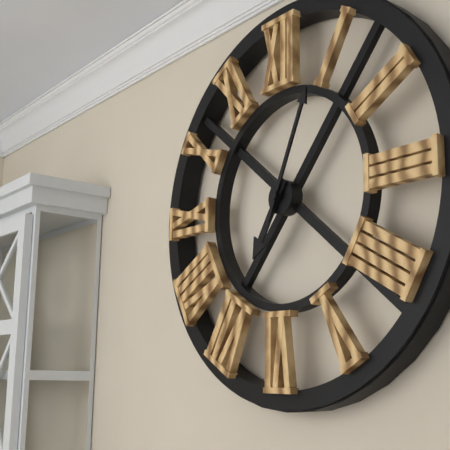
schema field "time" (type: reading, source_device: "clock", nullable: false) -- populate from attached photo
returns 7:04
